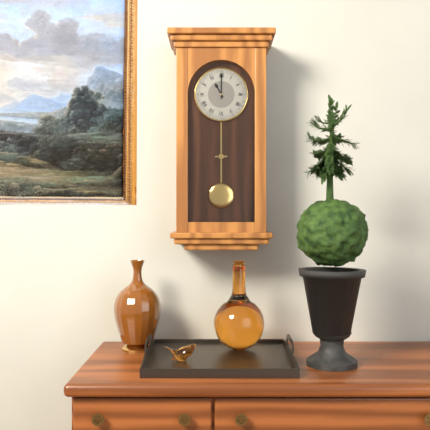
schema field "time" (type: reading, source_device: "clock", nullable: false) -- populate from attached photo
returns 11:00
